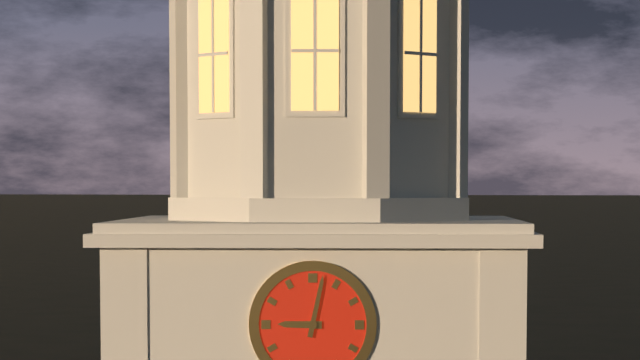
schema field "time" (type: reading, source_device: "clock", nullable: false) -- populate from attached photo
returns 9:02
